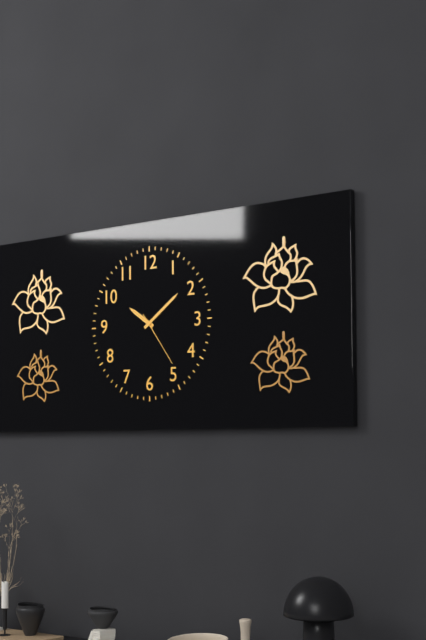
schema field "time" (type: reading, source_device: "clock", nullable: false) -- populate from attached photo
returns 10:09:24
